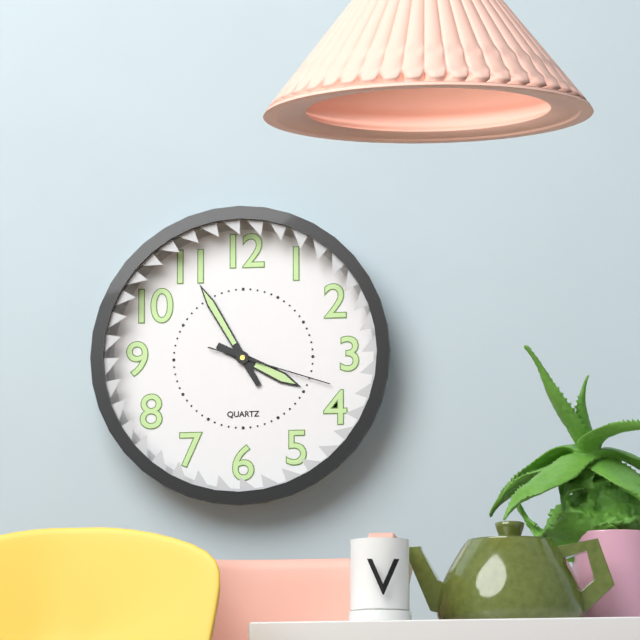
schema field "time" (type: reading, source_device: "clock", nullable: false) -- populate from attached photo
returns 3:55:18
